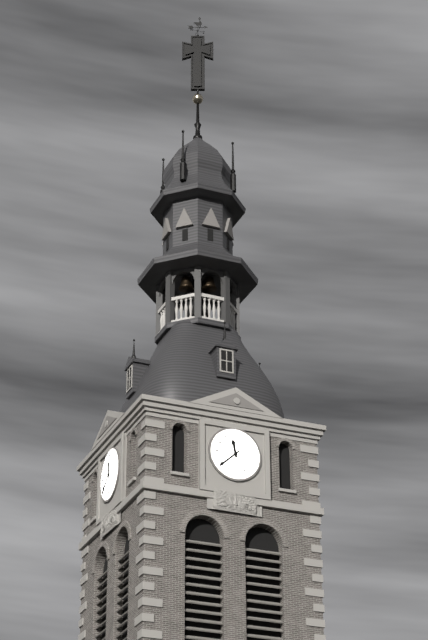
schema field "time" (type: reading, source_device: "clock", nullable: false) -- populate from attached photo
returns 11:38
